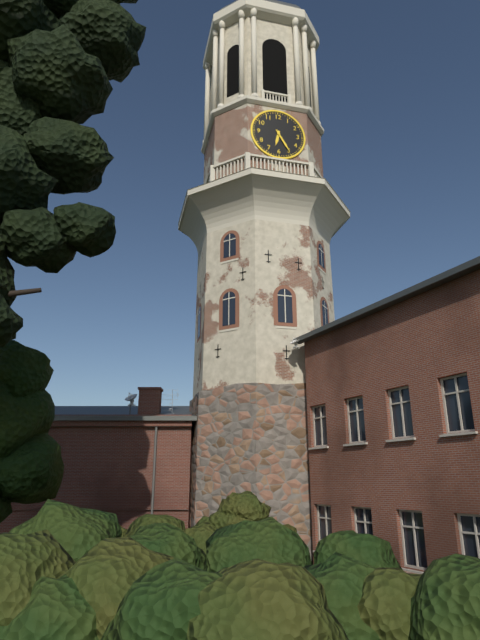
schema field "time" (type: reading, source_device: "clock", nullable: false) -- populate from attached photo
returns 6:25
